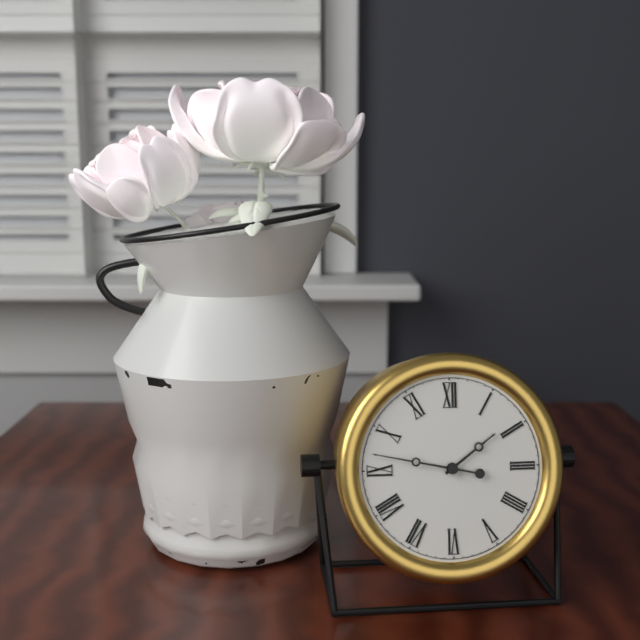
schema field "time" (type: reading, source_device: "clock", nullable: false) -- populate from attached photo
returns 1:47
